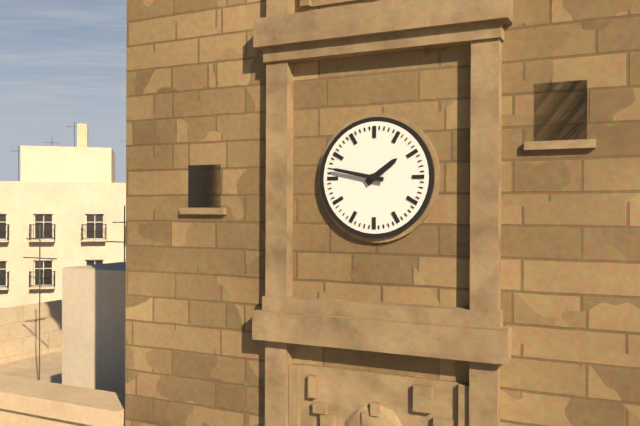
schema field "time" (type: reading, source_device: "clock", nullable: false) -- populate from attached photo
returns 1:47
